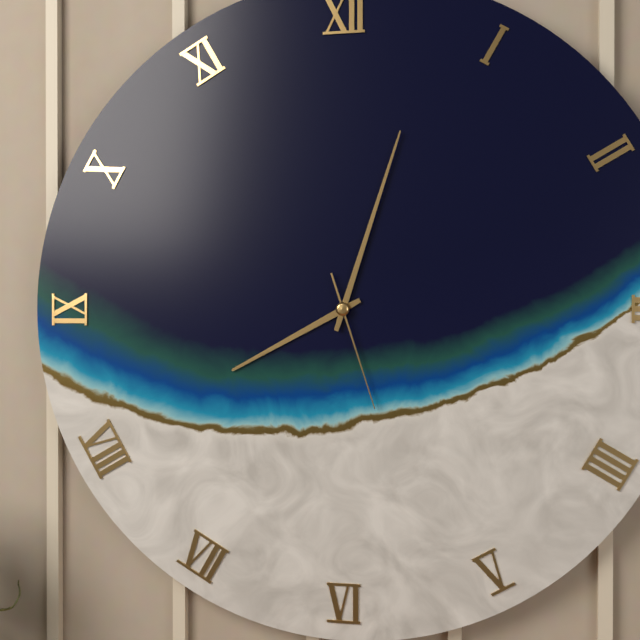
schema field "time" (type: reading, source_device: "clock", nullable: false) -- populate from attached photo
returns 8:03:27
